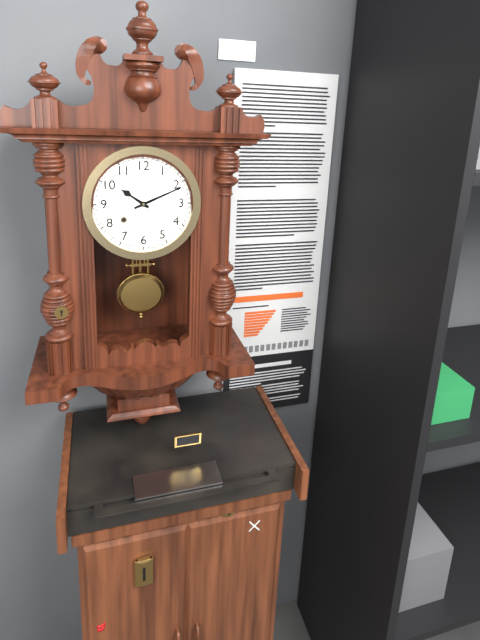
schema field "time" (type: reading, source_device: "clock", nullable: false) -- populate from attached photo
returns 10:11
